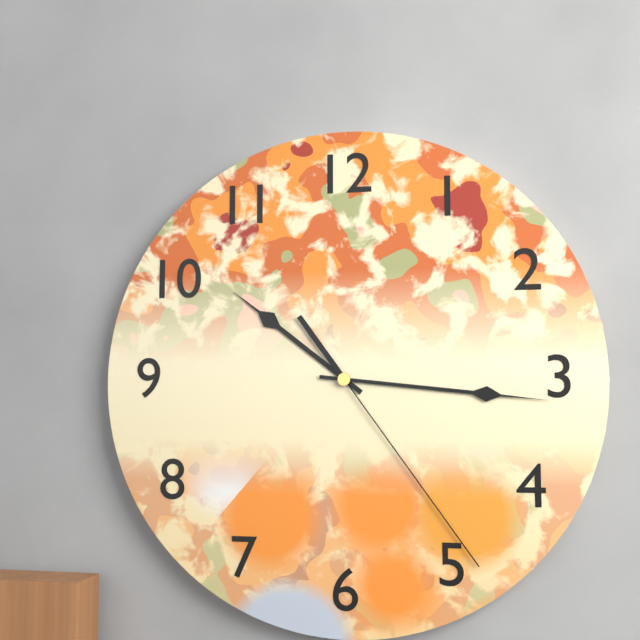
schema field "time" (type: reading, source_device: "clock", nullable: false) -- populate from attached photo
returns 10:16:24
